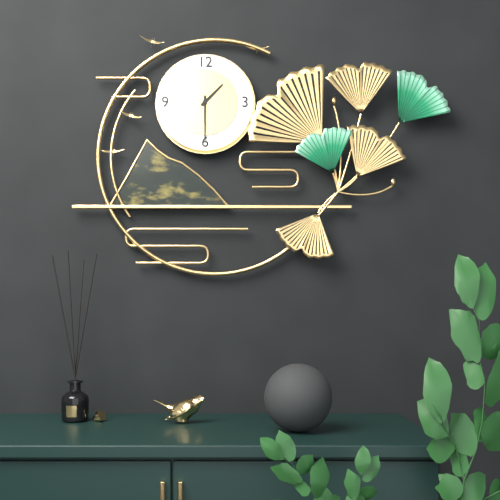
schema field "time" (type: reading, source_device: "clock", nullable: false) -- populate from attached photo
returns 1:30
